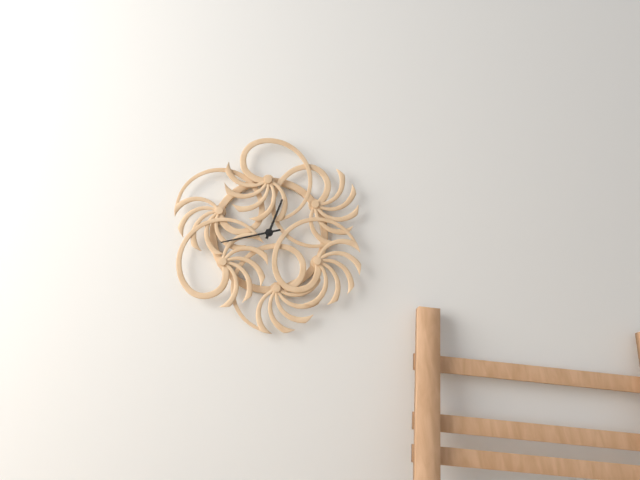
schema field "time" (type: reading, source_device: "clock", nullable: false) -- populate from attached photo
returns 12:43
